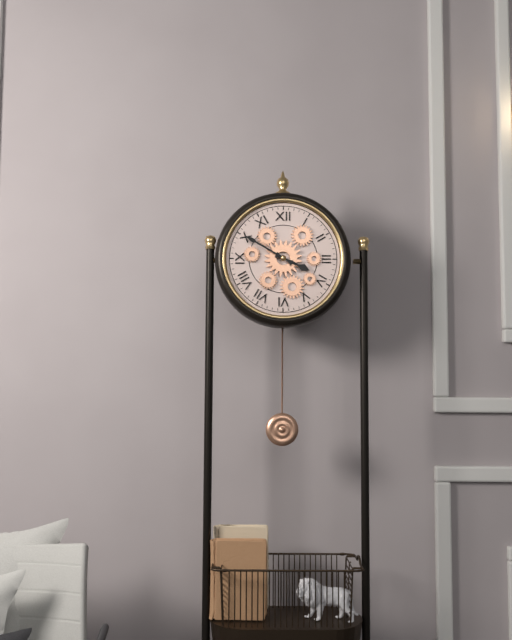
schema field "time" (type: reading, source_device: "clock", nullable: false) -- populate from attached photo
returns 3:50
